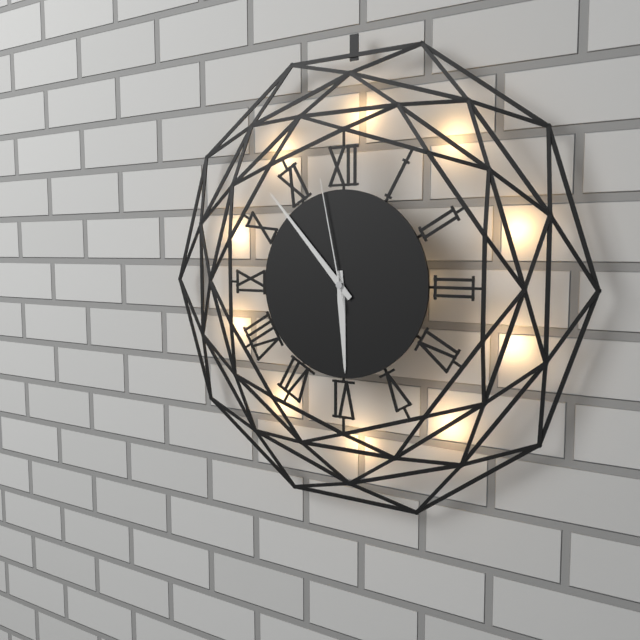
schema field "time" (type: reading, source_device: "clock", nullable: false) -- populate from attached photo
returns 5:53:58
